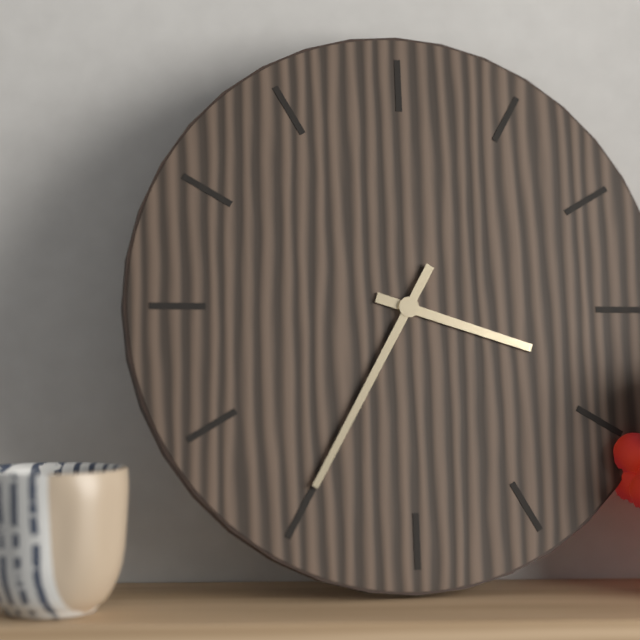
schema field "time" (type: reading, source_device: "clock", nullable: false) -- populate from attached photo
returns 3:35
